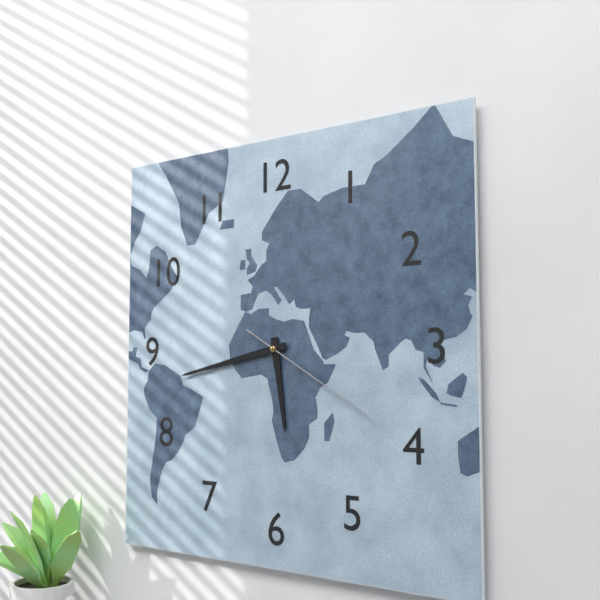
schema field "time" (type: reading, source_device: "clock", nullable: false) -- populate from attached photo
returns 5:43:20
